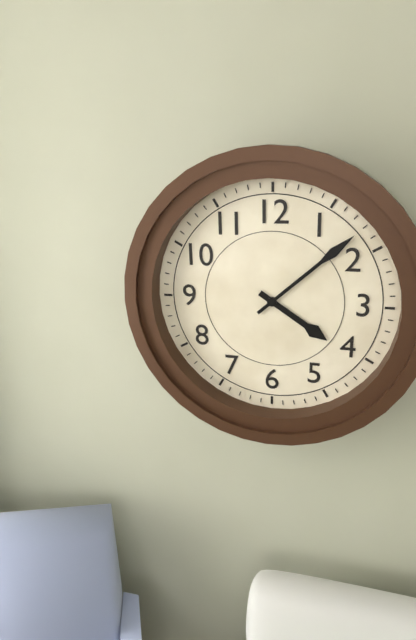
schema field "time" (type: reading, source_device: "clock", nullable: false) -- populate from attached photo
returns 4:08
